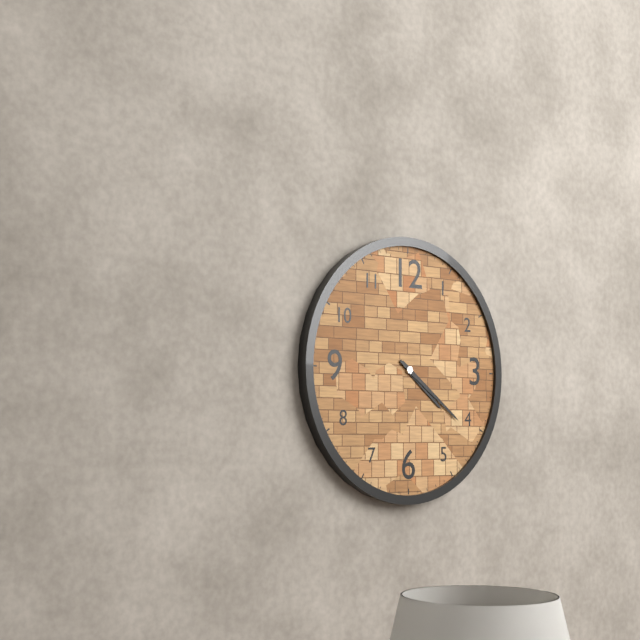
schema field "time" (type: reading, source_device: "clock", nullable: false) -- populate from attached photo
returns 4:21
